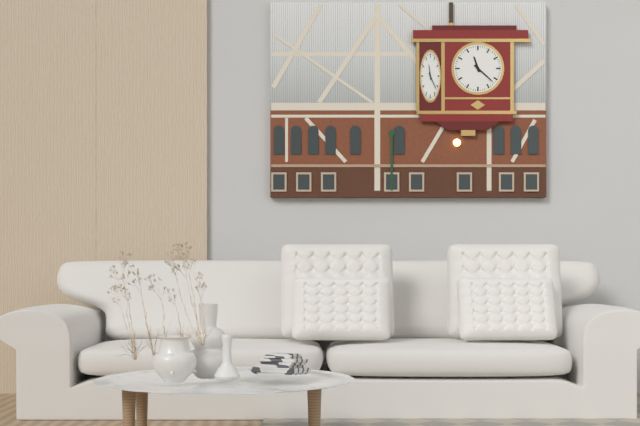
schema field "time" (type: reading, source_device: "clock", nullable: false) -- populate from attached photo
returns 11:22
